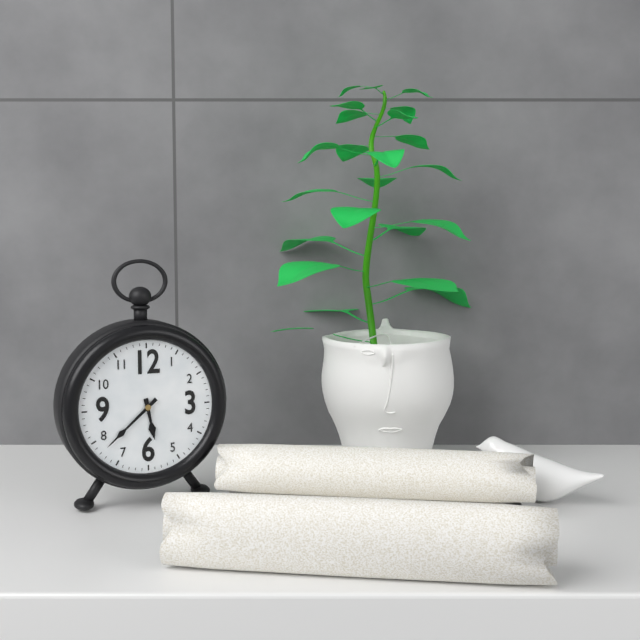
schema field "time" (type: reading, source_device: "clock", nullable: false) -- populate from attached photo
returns 5:38
